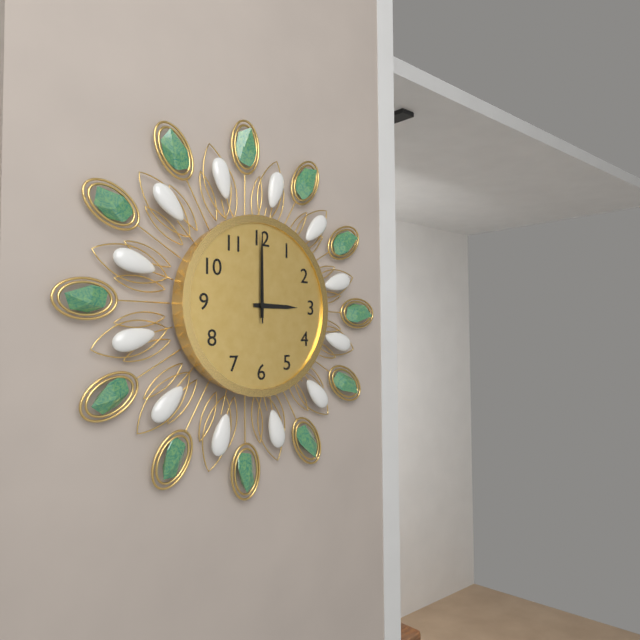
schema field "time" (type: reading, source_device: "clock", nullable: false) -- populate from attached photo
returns 3:00:00
